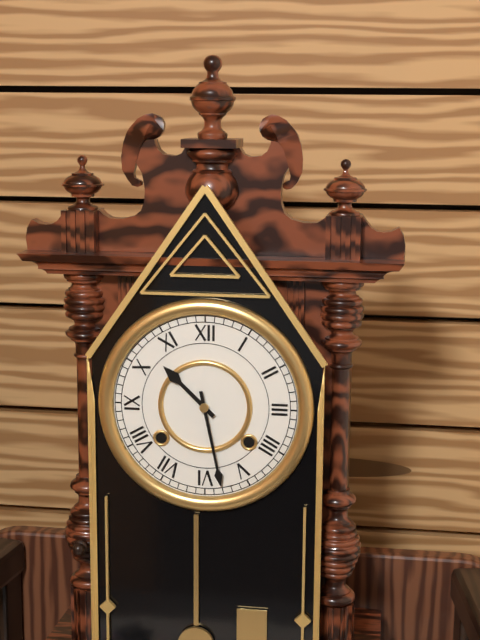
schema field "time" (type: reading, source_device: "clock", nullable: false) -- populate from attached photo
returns 10:28
